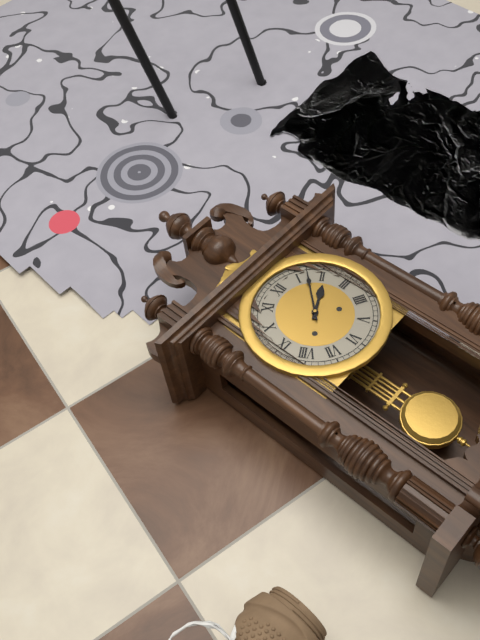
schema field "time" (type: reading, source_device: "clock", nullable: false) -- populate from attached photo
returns 2:07
